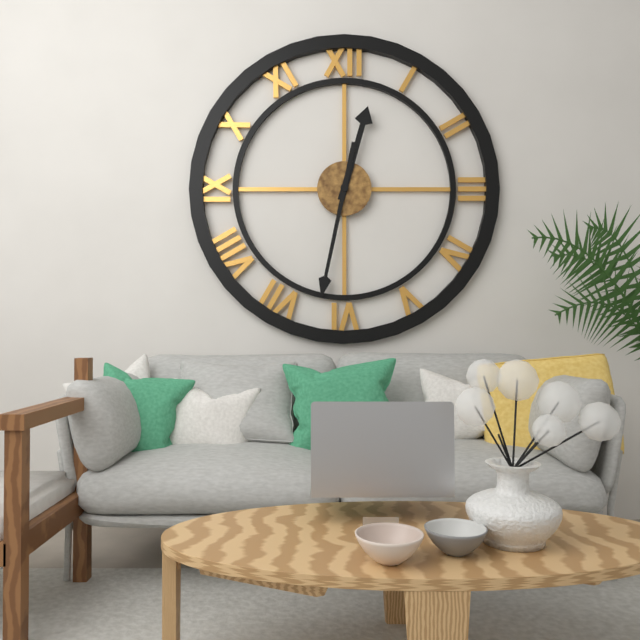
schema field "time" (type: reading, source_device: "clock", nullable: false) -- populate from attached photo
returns 12:32
